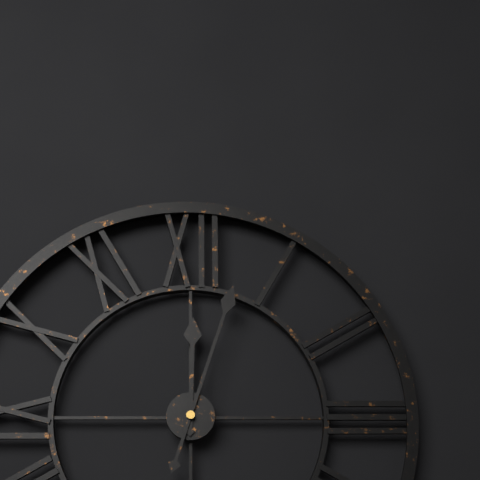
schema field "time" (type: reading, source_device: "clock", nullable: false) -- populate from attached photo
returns 12:03
